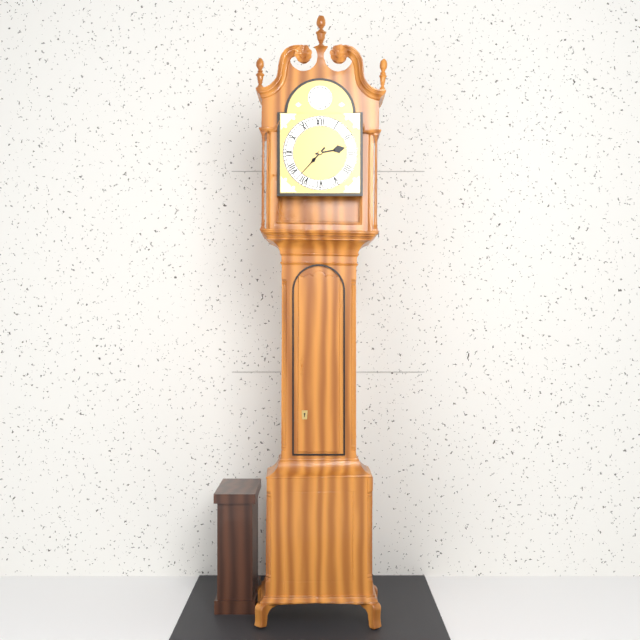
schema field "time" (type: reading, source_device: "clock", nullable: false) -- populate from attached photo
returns 2:37
